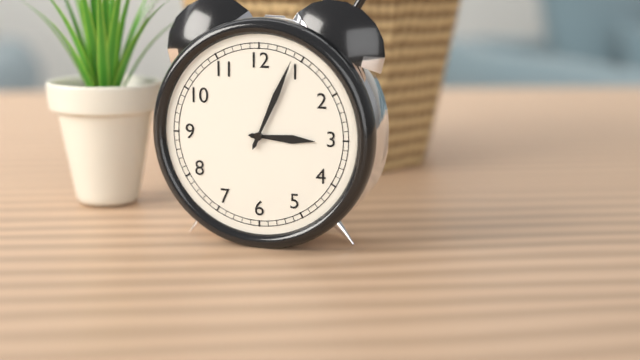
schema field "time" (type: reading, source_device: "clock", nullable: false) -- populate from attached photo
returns 3:04
